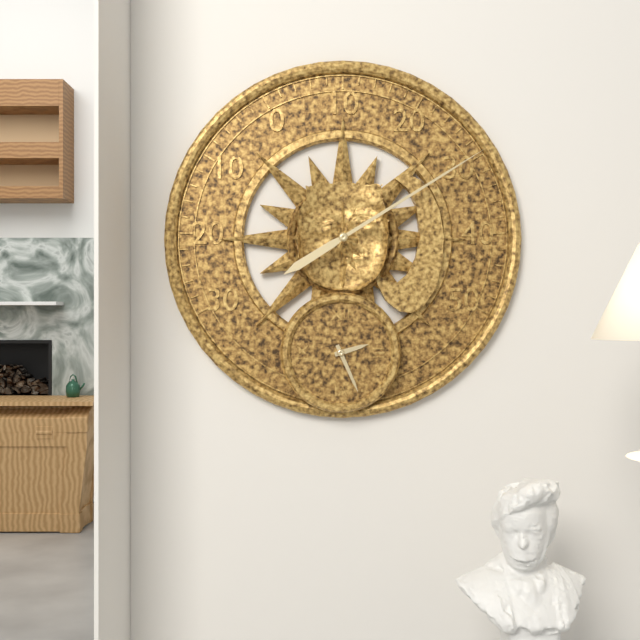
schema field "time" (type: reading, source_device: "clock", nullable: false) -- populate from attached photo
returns 2:26
